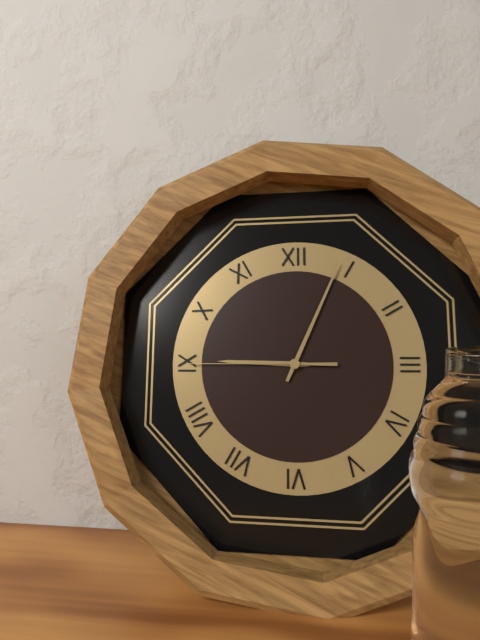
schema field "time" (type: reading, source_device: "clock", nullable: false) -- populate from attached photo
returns 9:04:45
